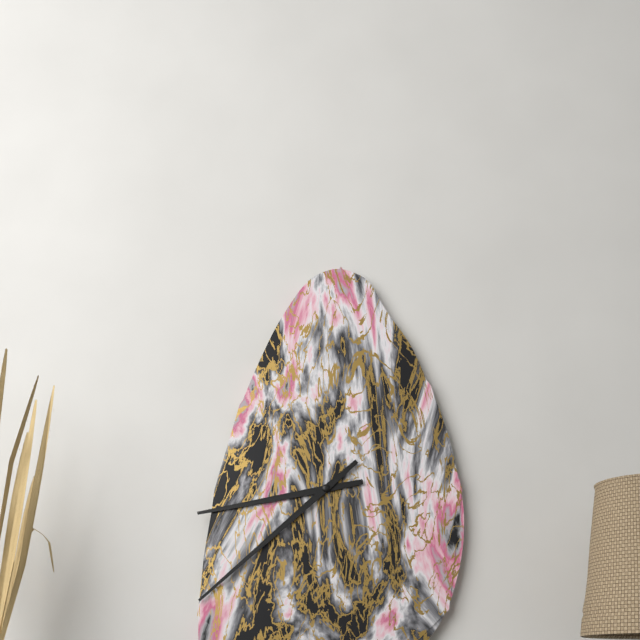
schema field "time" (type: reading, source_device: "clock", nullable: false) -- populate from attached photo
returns 8:38
